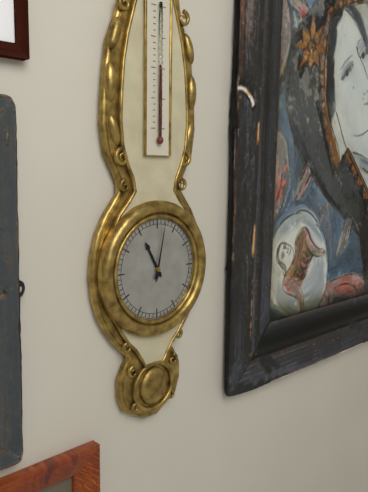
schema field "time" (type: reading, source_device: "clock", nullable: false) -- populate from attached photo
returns 11:02
